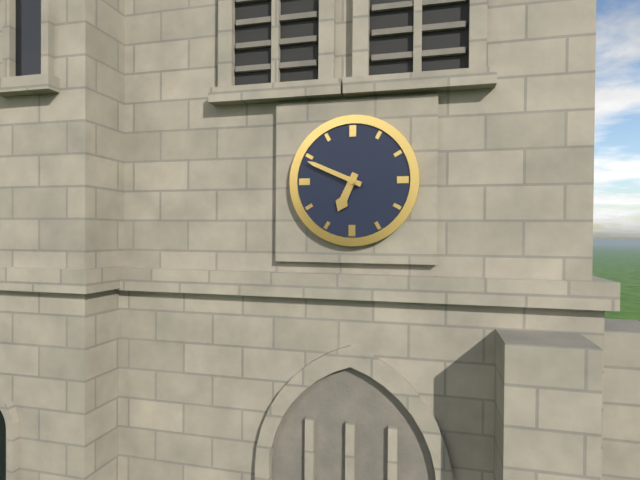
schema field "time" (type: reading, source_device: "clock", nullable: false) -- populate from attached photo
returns 6:49
